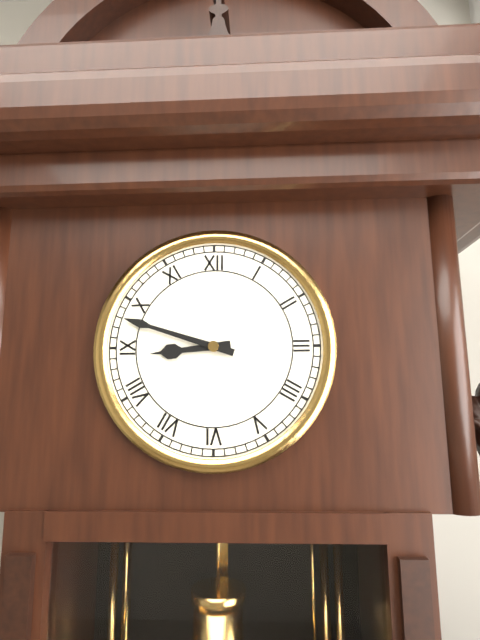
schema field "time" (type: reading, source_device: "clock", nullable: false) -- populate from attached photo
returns 8:48
